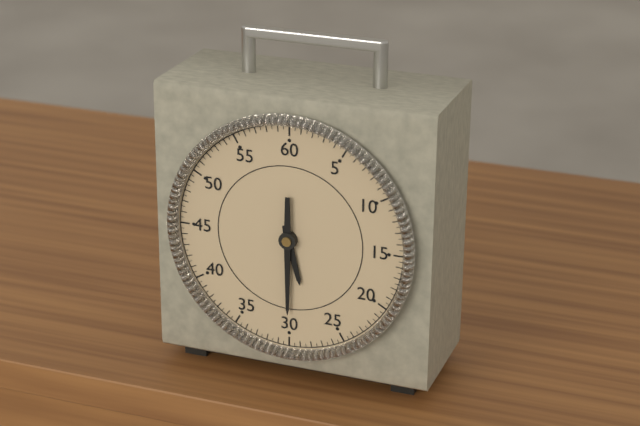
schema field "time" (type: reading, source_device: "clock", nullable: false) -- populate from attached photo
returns 5:30
